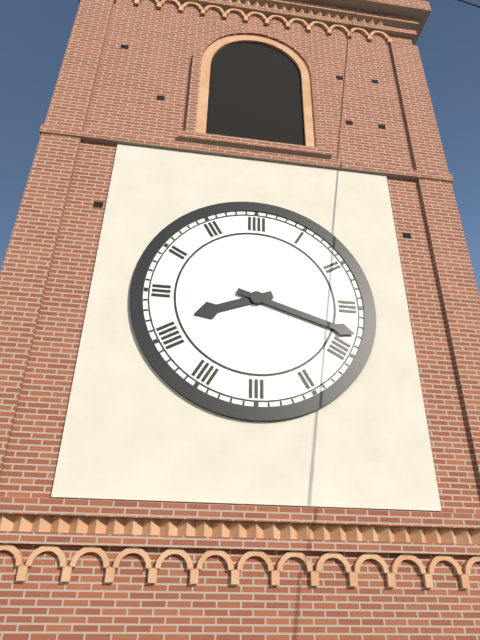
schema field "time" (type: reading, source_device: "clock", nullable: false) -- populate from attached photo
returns 8:18
